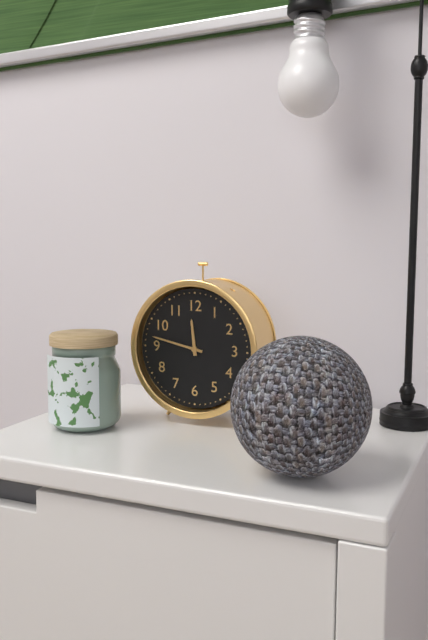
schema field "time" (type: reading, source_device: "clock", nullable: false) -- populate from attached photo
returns 11:47
